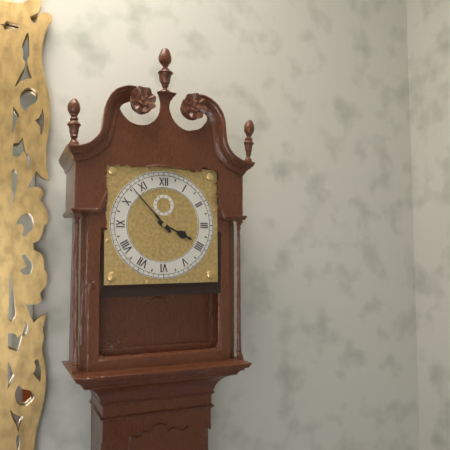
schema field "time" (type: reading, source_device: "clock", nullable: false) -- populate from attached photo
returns 3:53
